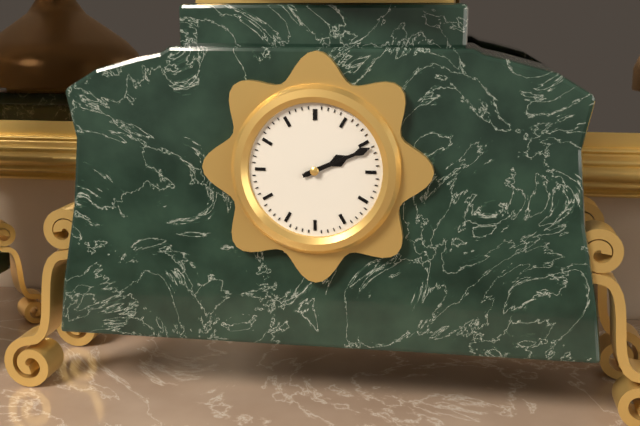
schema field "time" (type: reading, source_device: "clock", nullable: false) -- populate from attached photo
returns 2:11
